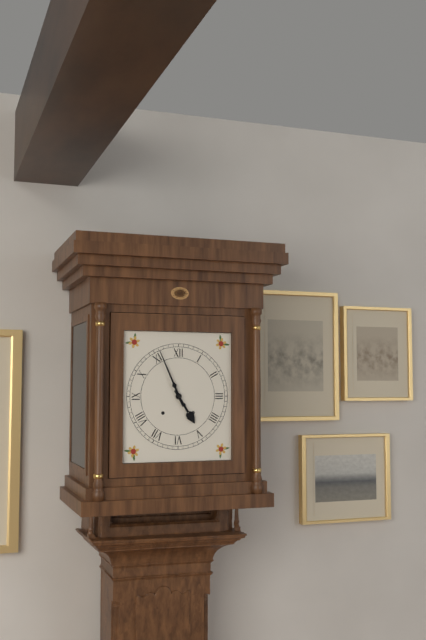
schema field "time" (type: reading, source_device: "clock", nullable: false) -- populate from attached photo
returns 4:56
